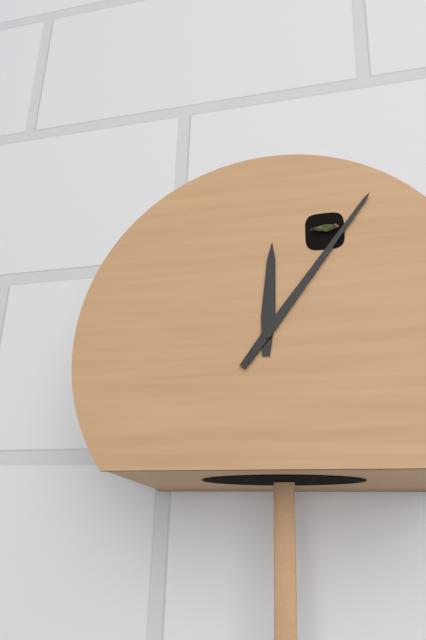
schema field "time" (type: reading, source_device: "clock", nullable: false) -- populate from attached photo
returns 12:06
